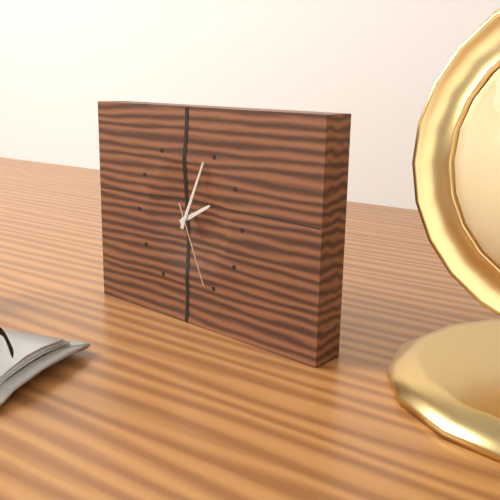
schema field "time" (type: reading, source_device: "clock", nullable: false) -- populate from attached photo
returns 2:04:26
